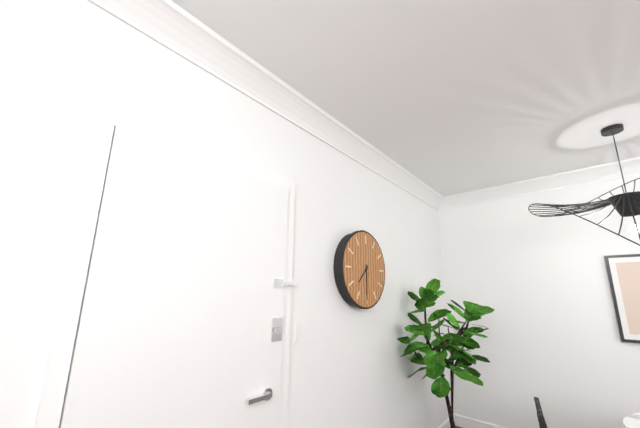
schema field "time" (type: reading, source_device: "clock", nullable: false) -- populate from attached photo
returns 7:30
